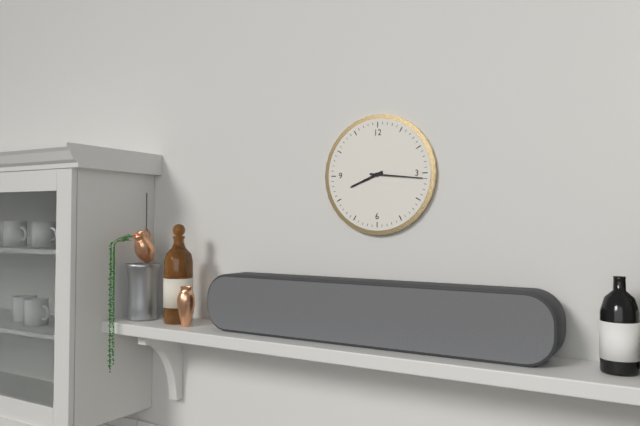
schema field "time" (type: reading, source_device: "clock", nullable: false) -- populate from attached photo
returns 8:16
